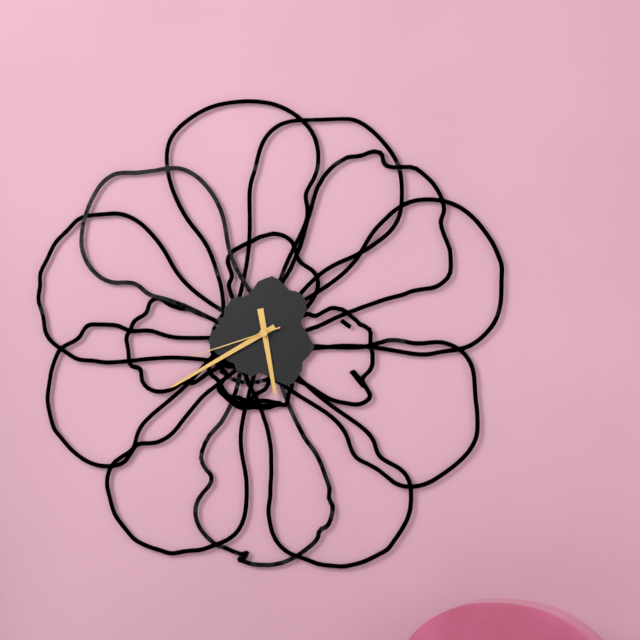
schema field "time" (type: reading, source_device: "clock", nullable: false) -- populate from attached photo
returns 5:40:42
